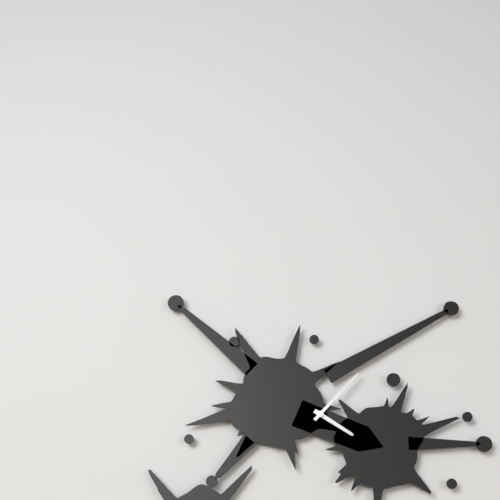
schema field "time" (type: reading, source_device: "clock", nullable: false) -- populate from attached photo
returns 4:07
